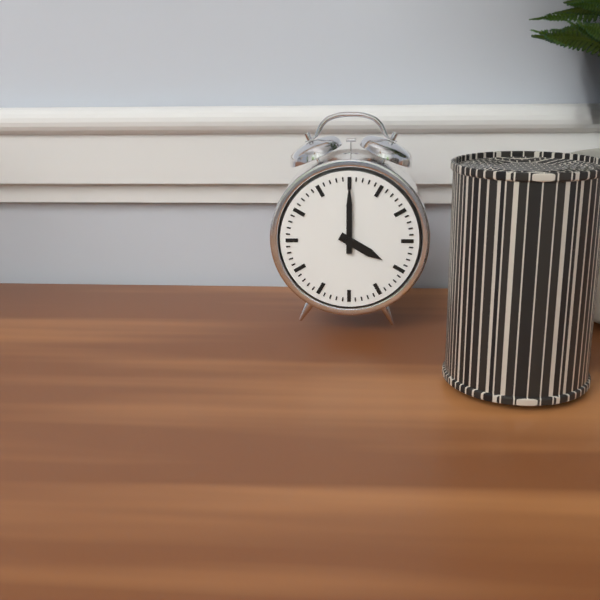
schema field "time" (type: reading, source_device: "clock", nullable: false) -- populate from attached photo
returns 4:00
